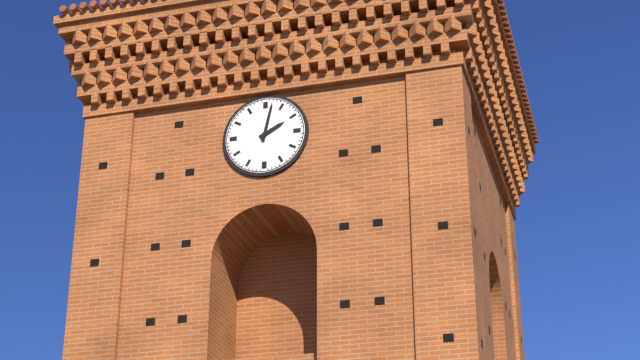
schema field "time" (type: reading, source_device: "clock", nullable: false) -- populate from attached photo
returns 2:02
